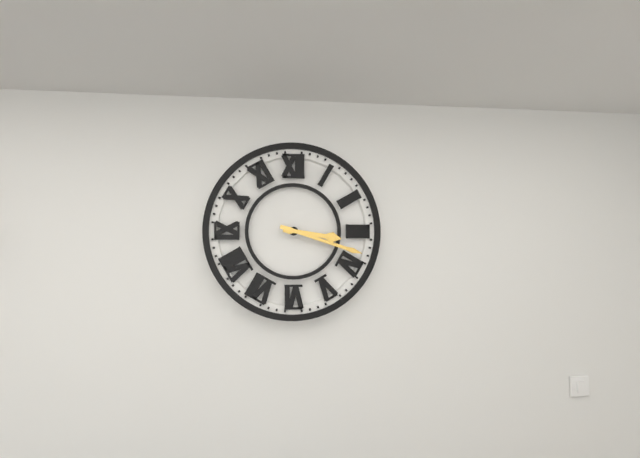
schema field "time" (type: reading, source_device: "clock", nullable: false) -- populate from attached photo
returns 3:18
